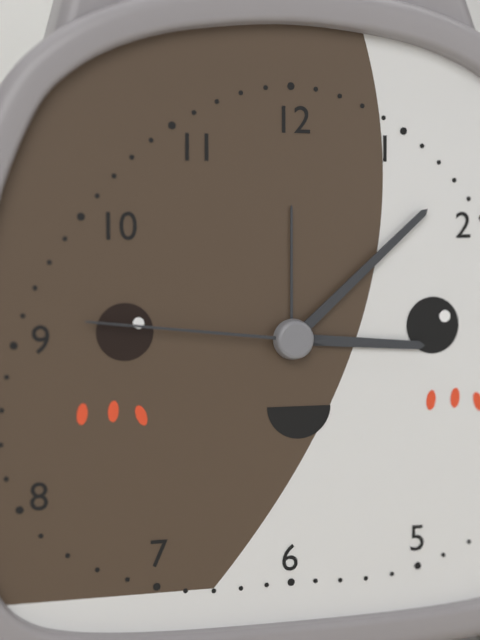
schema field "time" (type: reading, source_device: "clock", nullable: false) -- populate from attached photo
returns 3:08:46
